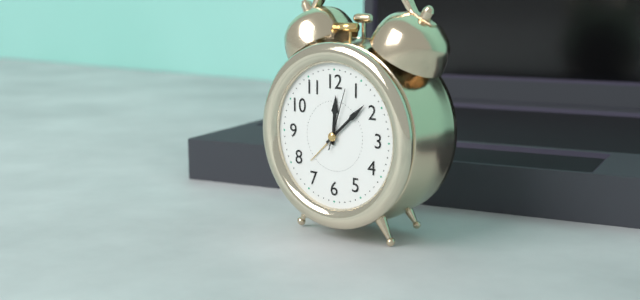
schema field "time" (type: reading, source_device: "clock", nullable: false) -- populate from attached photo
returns 12:08:03
